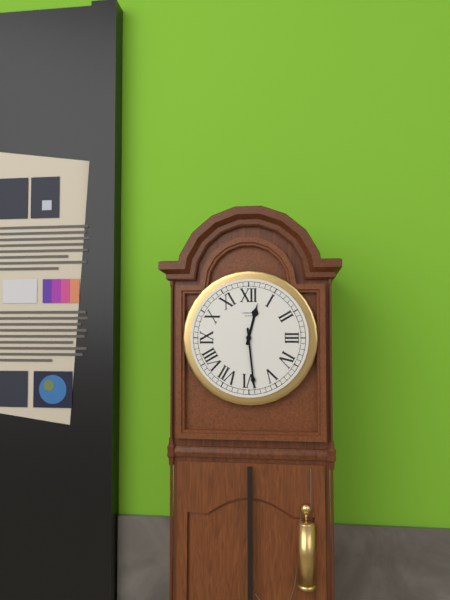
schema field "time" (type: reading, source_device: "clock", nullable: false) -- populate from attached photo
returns 12:29
